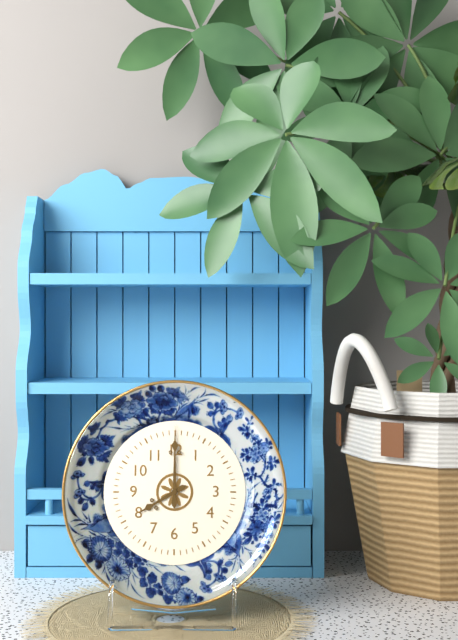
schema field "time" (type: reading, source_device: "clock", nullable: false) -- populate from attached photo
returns 8:00
